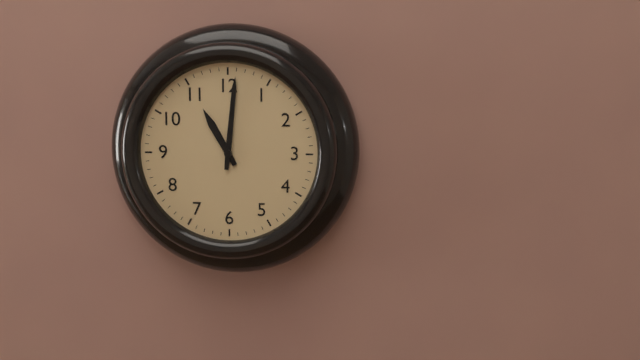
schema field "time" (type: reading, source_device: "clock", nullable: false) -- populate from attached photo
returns 11:01
